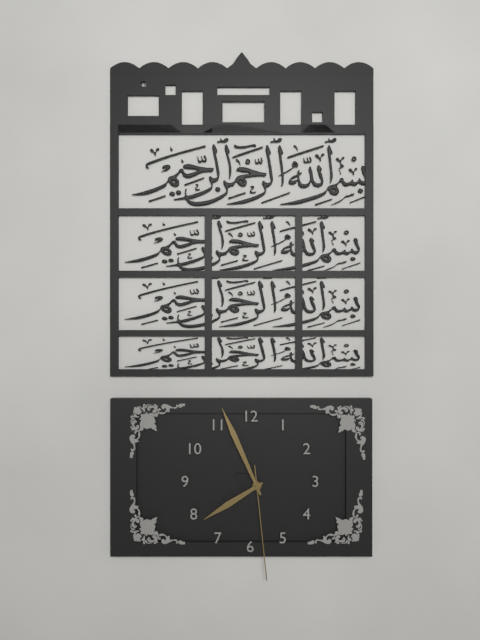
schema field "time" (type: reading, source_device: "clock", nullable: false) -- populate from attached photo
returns 7:56:29
